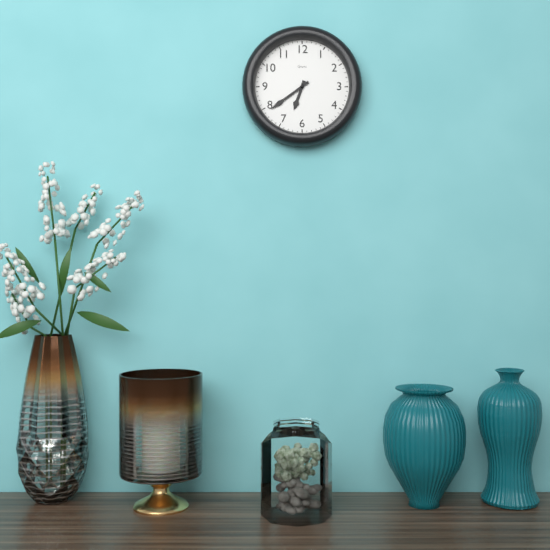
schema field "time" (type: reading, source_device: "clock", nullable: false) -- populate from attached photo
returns 6:39
